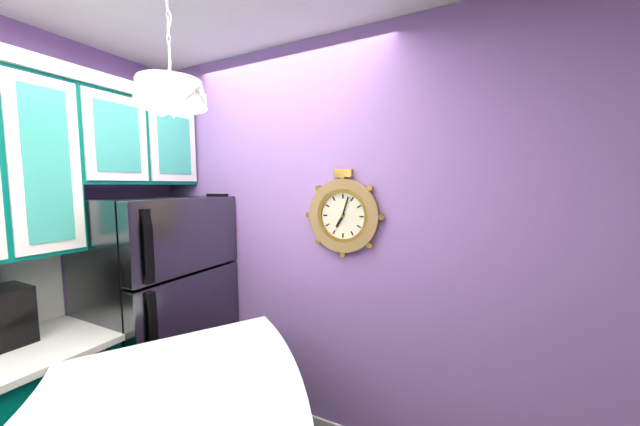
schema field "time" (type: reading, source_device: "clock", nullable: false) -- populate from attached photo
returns 7:03
